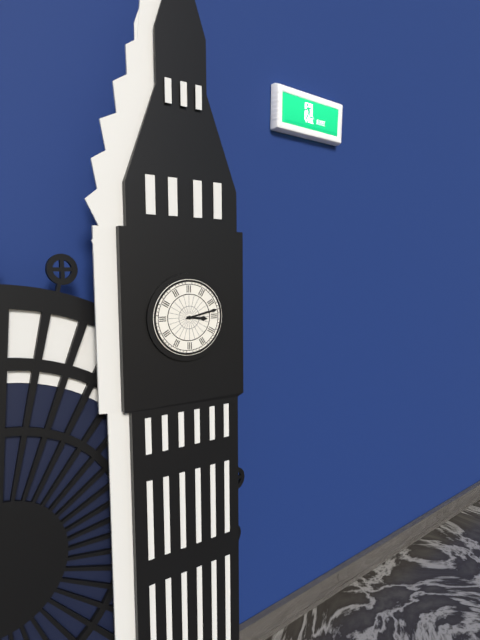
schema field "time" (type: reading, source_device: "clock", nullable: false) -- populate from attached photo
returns 3:13
